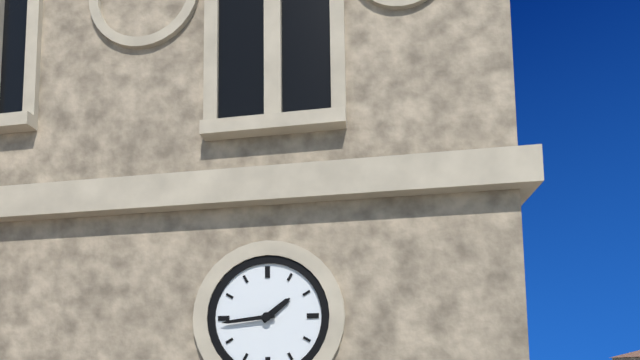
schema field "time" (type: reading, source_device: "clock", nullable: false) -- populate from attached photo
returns 1:44
